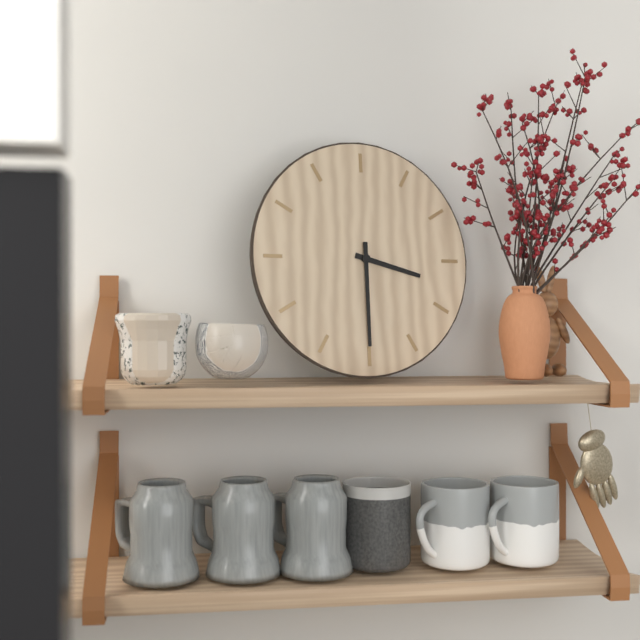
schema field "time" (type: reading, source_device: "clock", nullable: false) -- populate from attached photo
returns 3:30
